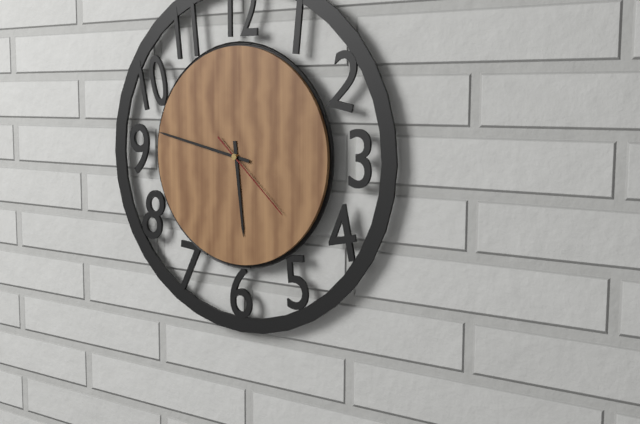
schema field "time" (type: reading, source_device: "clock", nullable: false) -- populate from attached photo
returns 5:47:22
